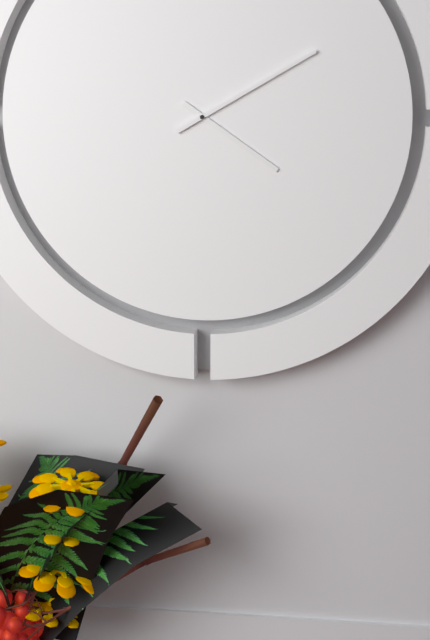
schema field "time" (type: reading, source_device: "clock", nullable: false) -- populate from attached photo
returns 4:10
